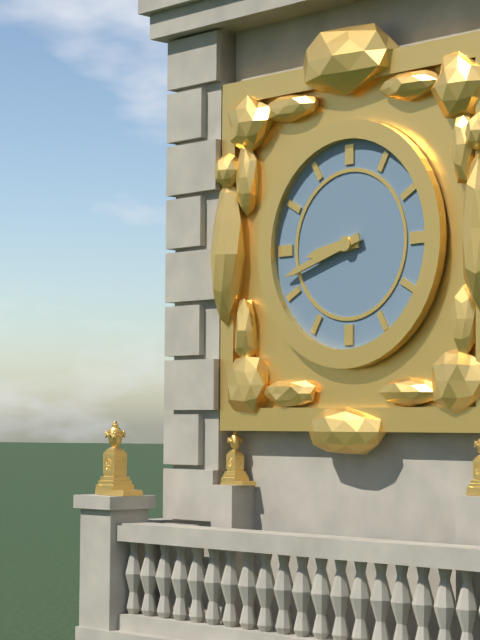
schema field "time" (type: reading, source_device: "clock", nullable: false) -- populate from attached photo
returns 8:42
